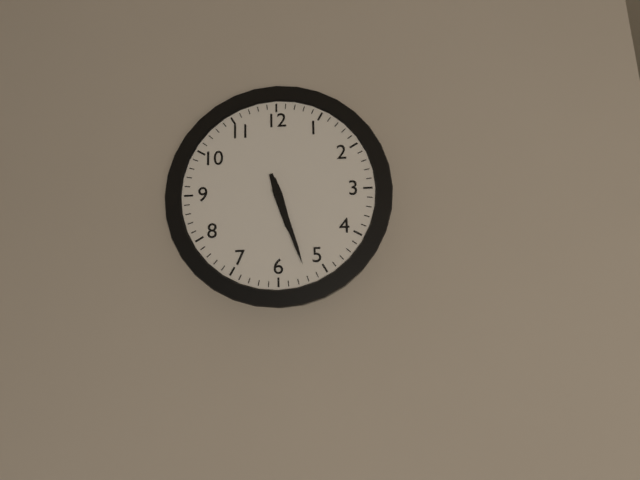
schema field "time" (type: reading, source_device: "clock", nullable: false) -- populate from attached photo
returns 5:27
